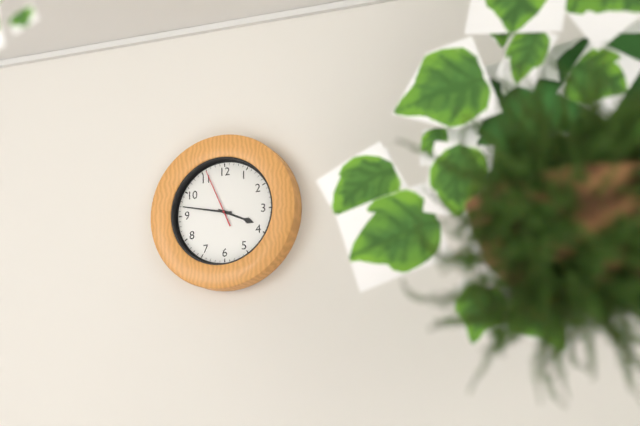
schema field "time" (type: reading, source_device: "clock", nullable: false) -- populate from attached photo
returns 3:47:56
